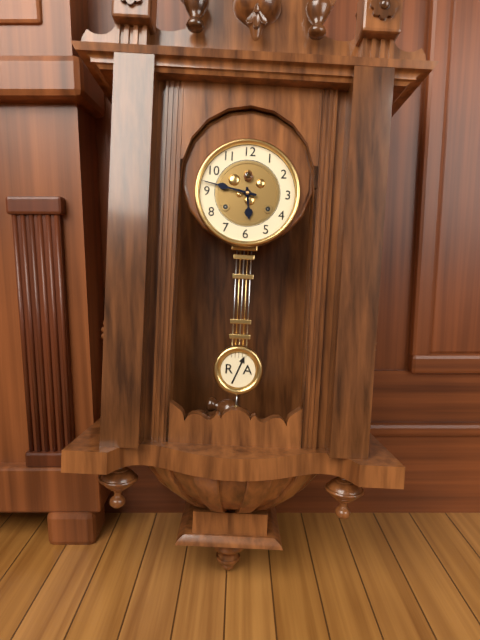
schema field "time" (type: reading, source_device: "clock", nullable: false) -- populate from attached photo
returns 5:47
